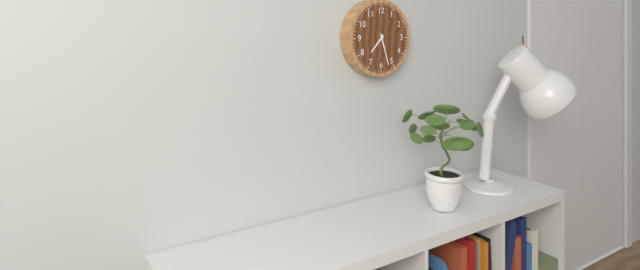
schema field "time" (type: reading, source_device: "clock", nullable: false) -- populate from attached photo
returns 7:27
